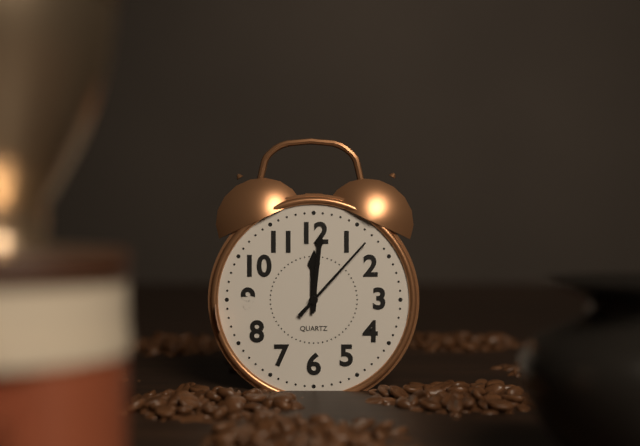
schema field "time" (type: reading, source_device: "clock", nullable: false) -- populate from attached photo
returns 12:01:07
